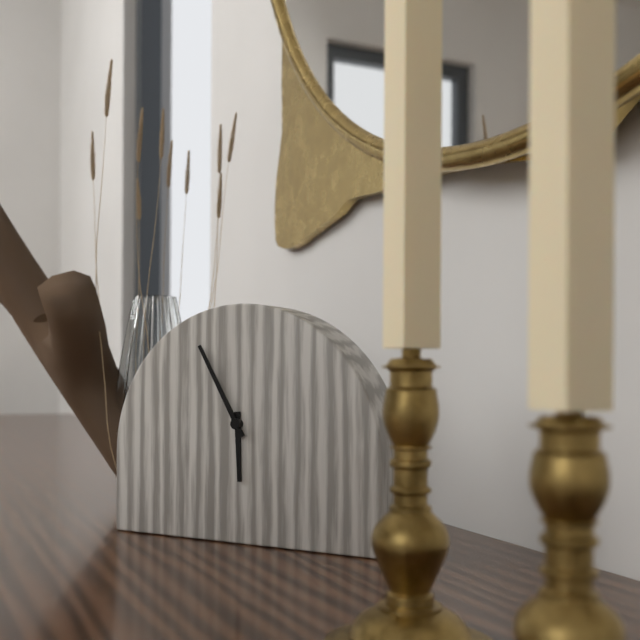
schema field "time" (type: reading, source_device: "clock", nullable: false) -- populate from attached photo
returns 5:55
